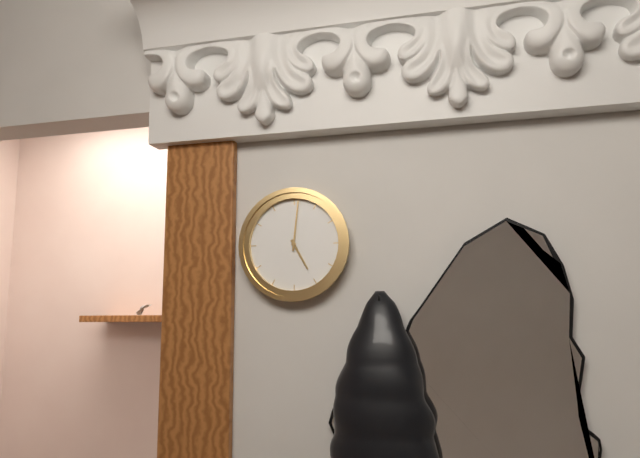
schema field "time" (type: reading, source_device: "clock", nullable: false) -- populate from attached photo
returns 5:01
